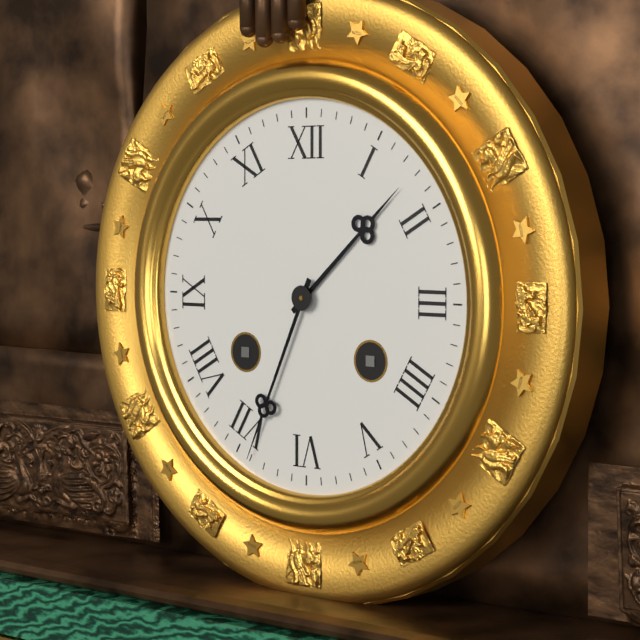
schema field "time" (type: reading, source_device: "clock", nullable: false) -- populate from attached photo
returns 1:34
